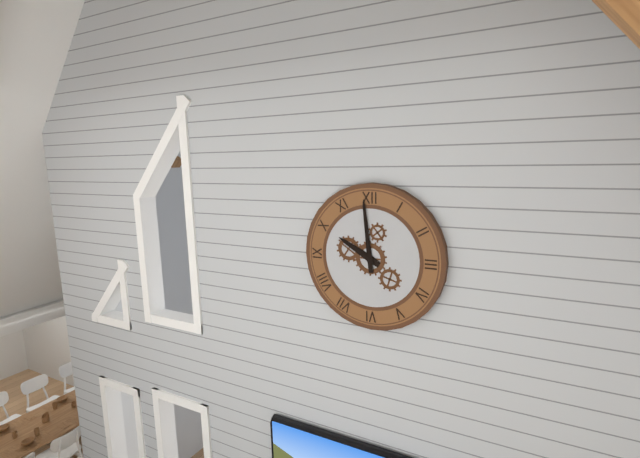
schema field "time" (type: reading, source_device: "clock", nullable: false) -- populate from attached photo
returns 9:59
